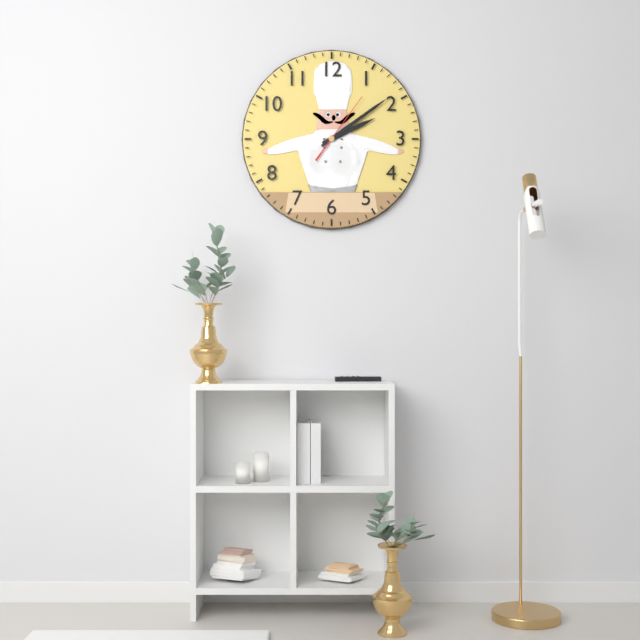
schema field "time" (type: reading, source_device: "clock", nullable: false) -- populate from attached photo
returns 2:09:06
